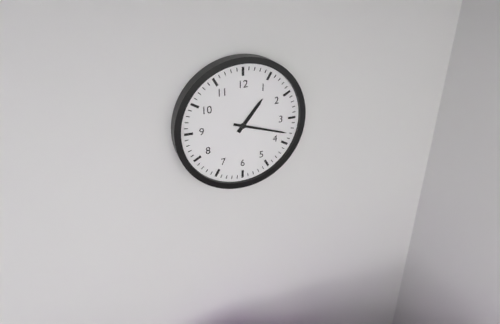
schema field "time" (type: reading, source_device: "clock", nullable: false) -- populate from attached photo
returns 1:18
